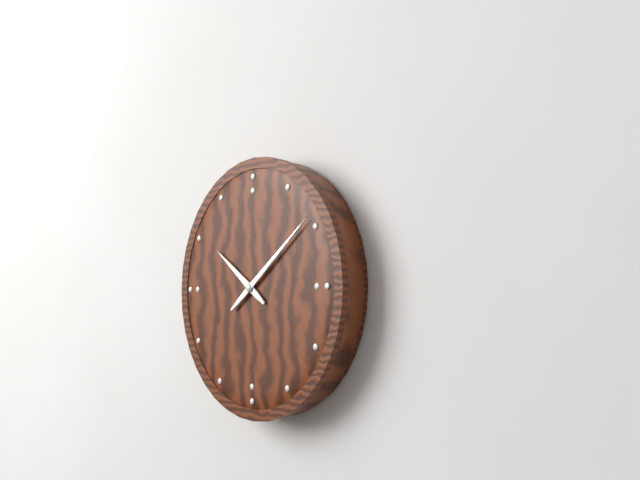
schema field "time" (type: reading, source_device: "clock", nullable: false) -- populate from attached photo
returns 10:09
